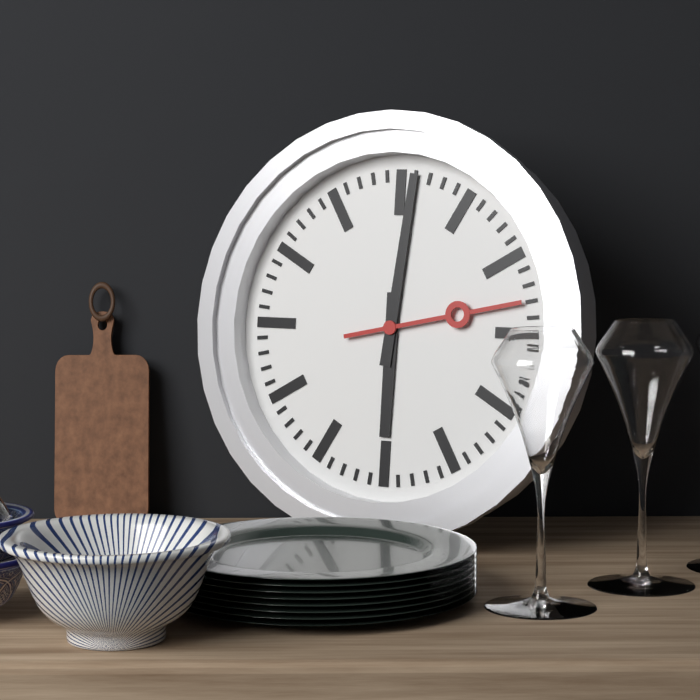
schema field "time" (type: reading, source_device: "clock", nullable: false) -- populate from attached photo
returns 6:01:13
